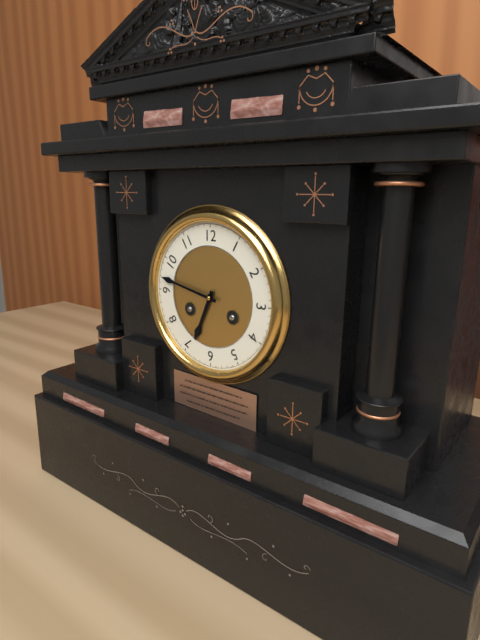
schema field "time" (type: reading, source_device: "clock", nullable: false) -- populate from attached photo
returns 6:47
